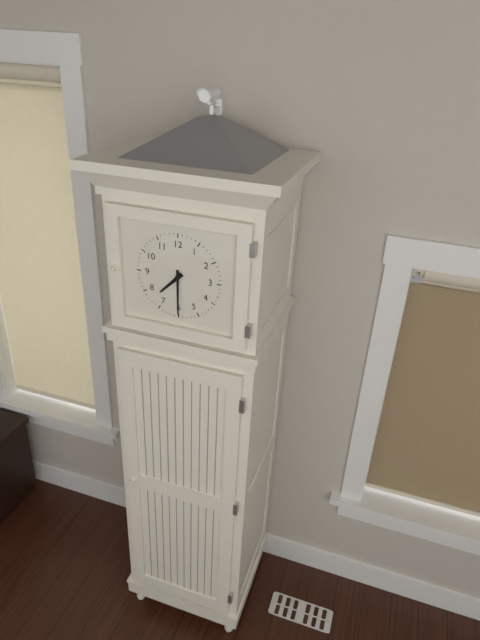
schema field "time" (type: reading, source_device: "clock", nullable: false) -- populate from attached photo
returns 7:30
